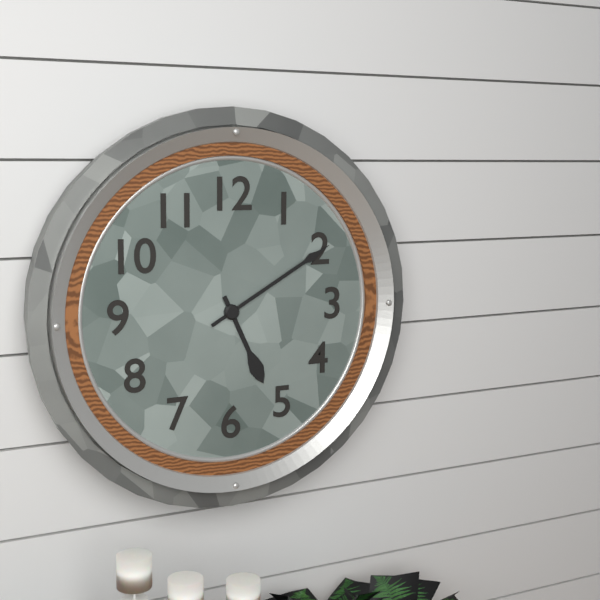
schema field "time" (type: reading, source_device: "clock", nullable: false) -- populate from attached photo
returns 5:10
